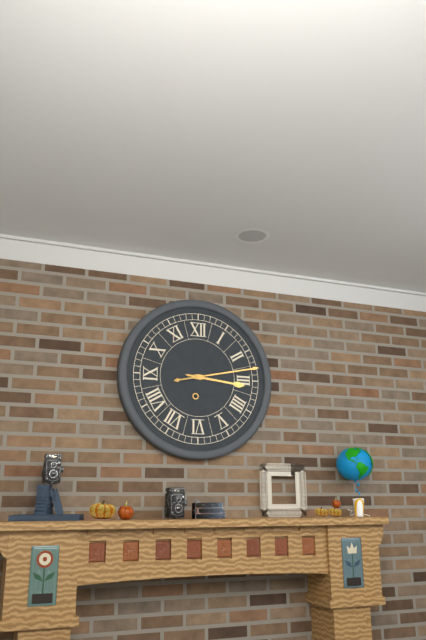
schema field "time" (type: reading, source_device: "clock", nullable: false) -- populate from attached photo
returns 3:13
